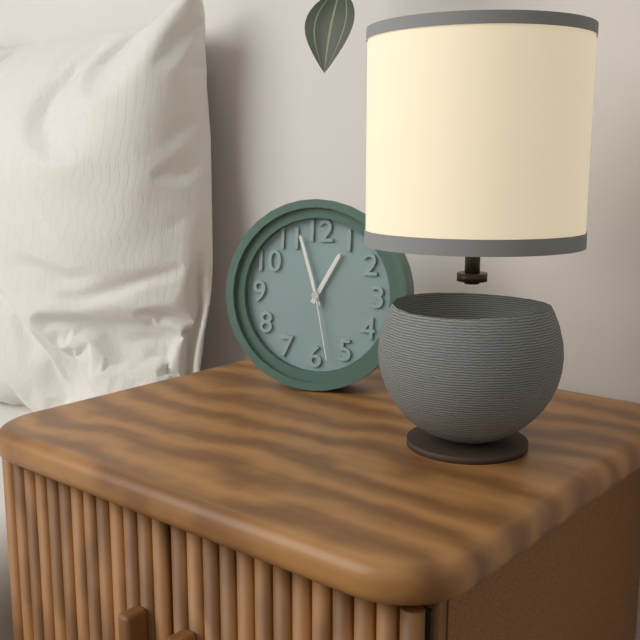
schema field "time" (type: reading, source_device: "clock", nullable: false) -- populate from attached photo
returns 12:57:28
